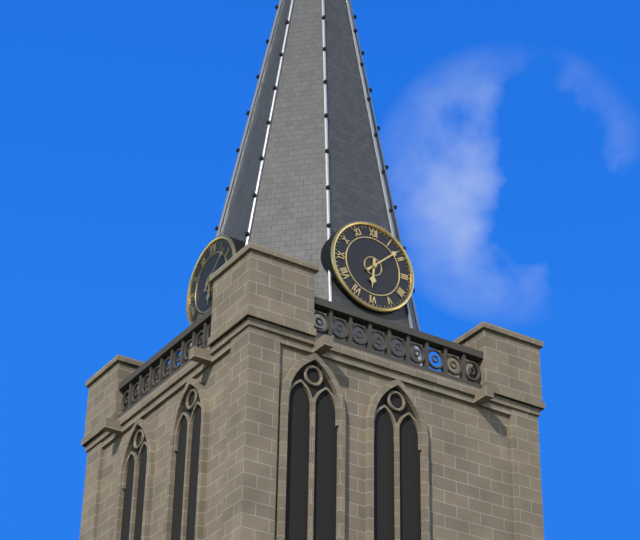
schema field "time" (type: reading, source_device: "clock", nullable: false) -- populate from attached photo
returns 6:08
